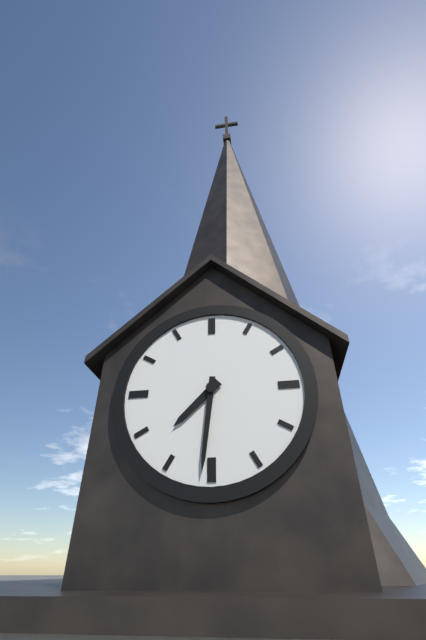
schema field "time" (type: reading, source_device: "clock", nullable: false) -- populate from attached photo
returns 7:31
